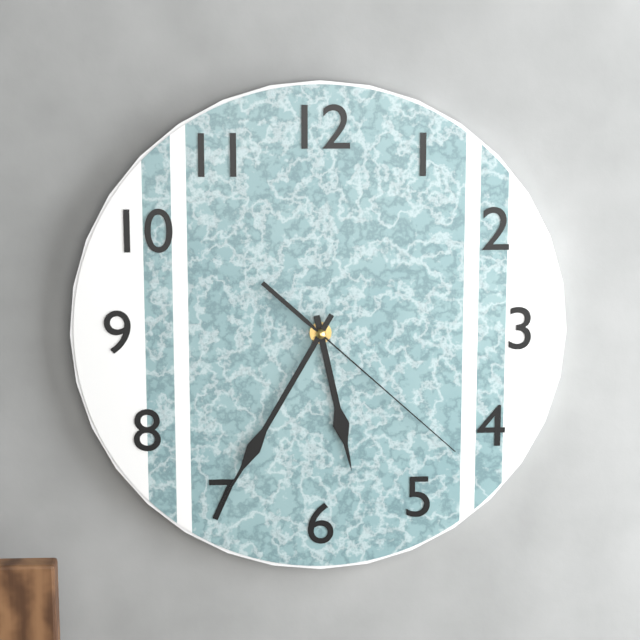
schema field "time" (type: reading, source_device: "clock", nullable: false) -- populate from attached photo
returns 5:35:22
